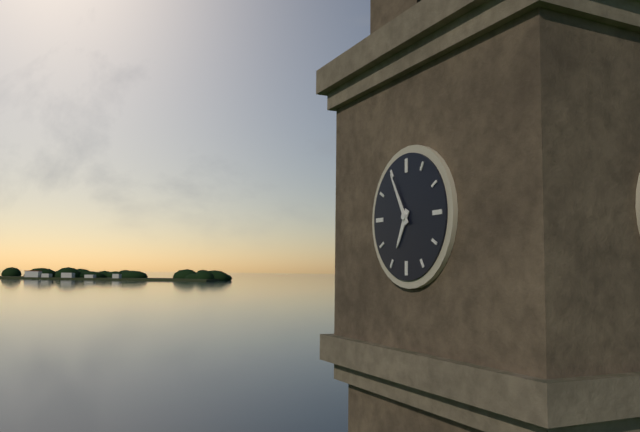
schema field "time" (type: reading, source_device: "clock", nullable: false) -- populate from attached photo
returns 6:55
